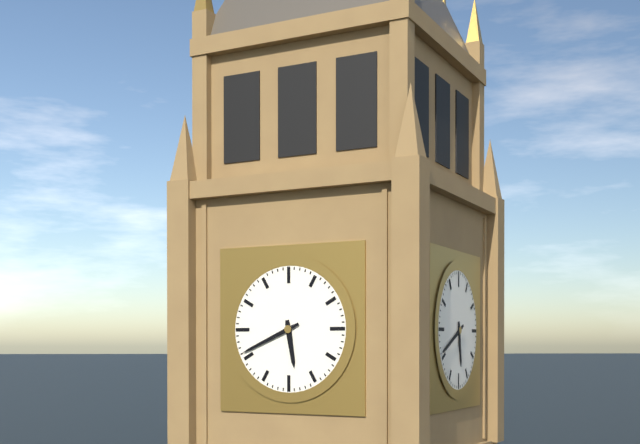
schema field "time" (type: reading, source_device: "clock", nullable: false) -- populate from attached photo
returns 5:41
